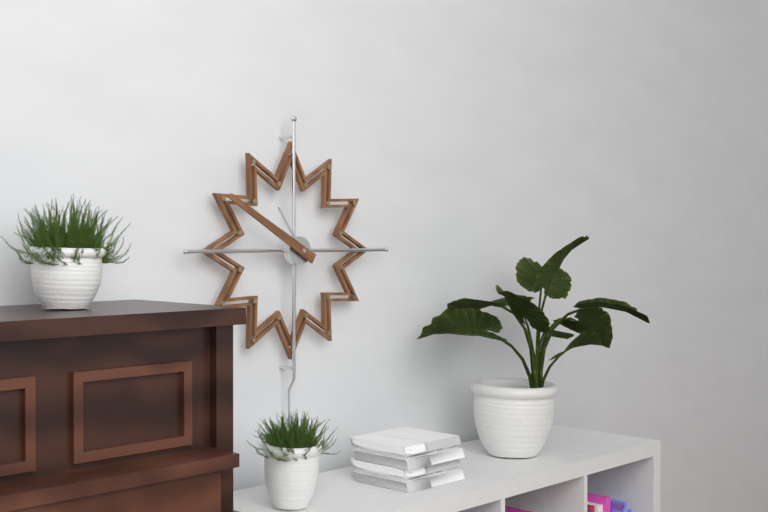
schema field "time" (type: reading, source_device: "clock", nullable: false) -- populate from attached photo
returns 10:50
